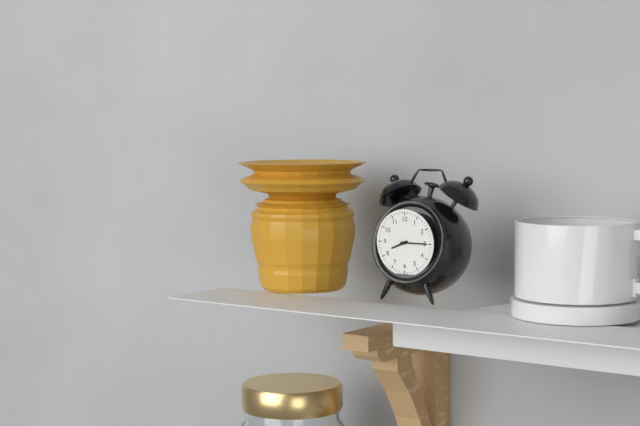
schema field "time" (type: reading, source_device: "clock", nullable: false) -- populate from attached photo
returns 8:15
